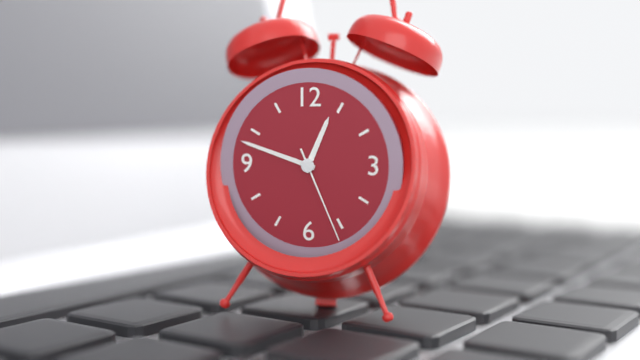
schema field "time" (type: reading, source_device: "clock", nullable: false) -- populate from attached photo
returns 12:48:26
